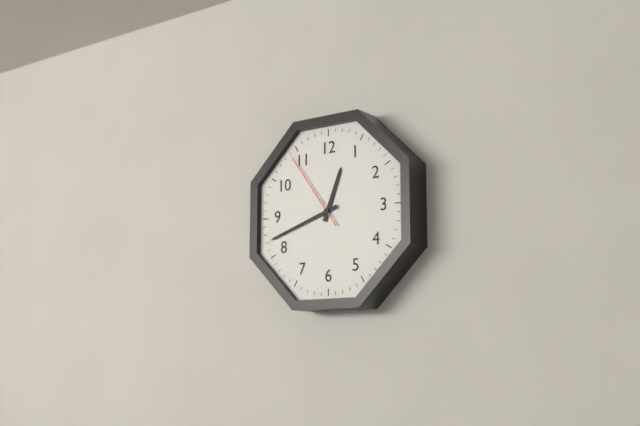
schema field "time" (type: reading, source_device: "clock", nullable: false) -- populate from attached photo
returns 12:42:54
